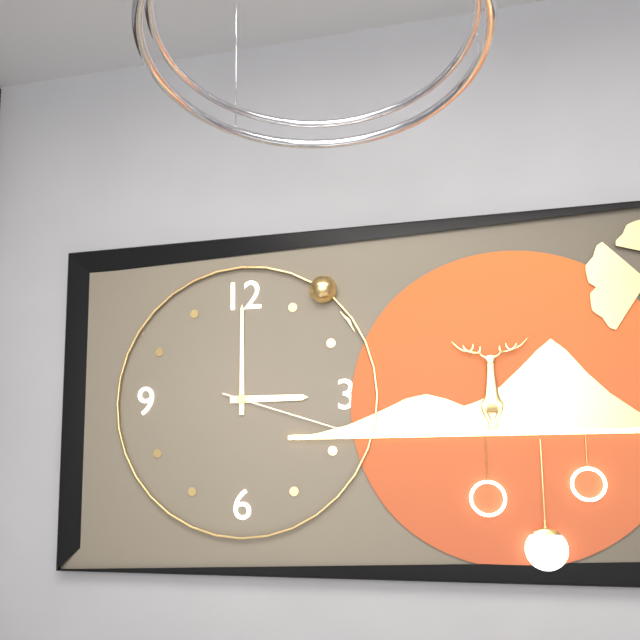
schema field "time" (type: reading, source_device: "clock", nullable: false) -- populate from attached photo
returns 3:00:18
